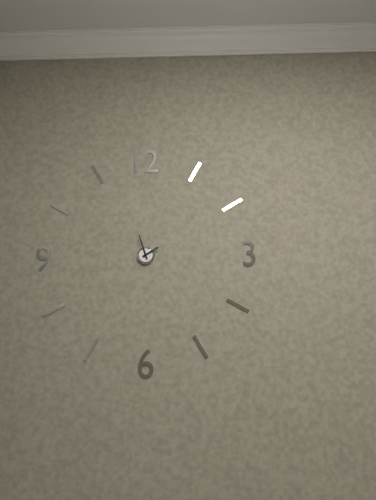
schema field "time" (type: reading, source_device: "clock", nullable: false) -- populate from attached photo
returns 1:57
